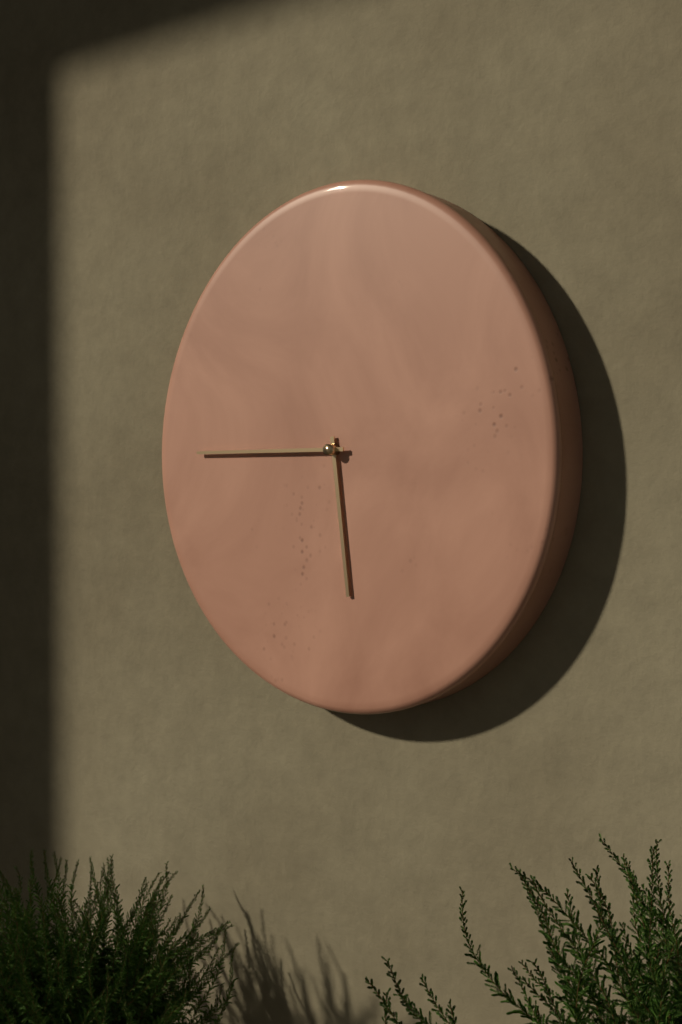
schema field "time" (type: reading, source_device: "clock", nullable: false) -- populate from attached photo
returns 5:45
